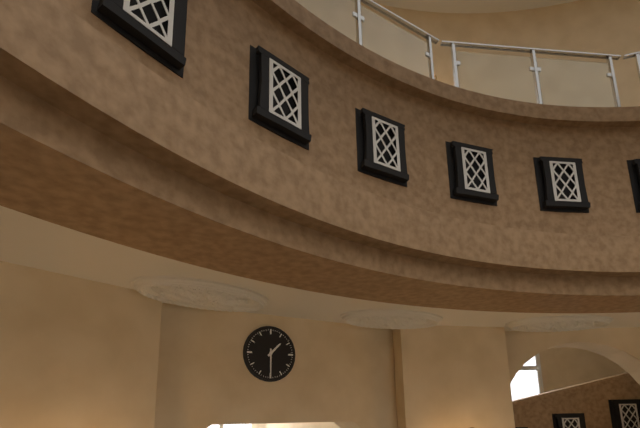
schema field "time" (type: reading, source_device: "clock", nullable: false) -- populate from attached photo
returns 1:30
